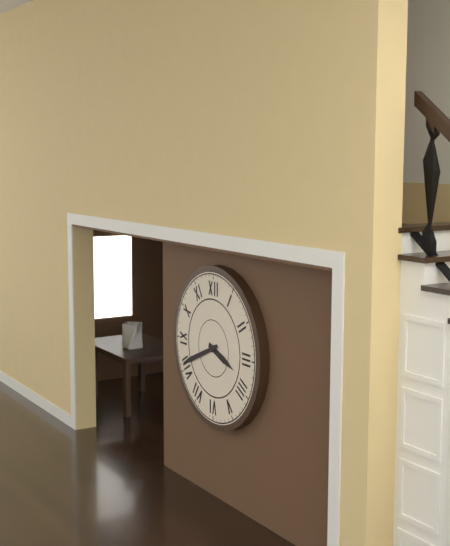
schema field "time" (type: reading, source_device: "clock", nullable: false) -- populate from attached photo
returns 3:41
